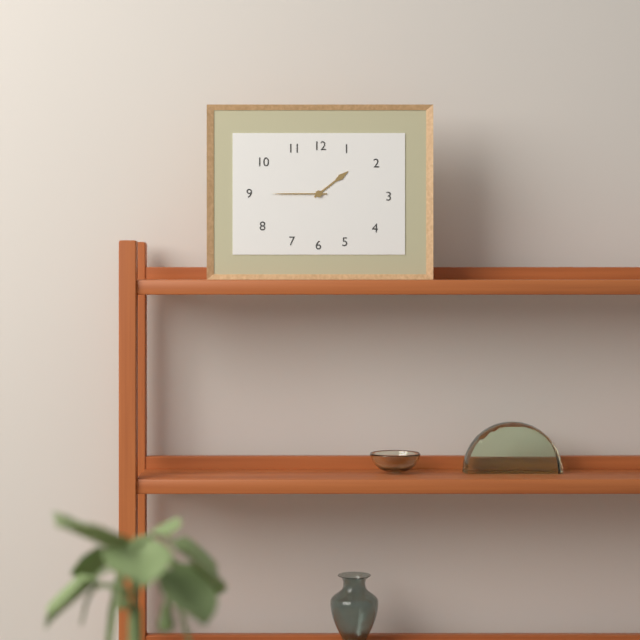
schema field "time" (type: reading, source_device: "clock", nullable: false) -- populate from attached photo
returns 1:45
